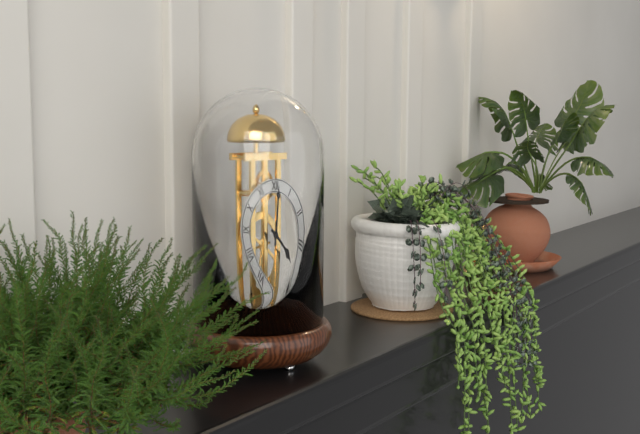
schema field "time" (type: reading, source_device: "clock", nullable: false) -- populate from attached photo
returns 4:01
